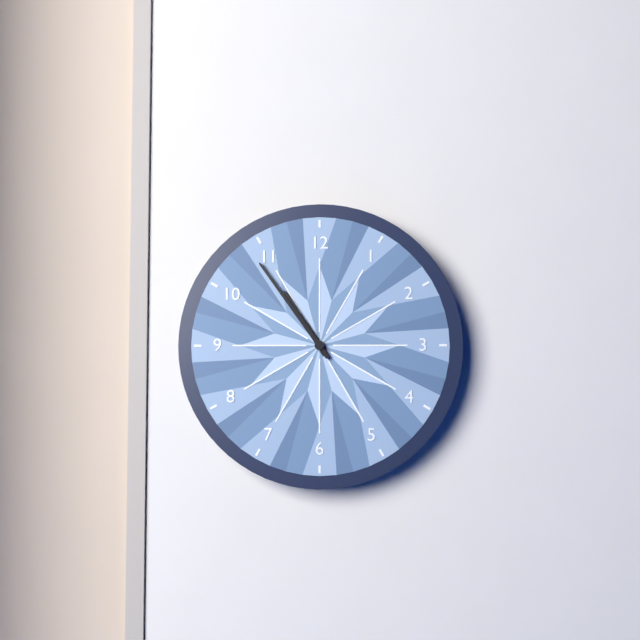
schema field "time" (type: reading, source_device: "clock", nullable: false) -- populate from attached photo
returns 10:54
